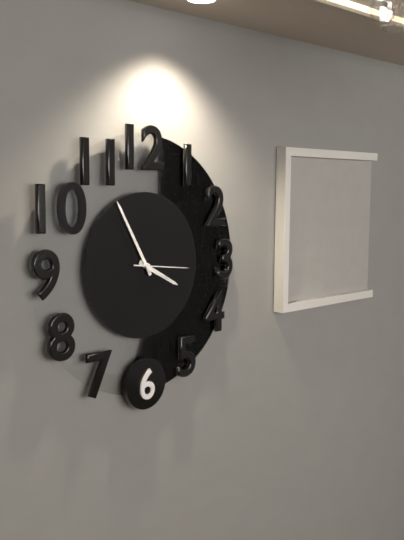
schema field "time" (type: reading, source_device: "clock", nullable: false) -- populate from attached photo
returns 3:55:16
